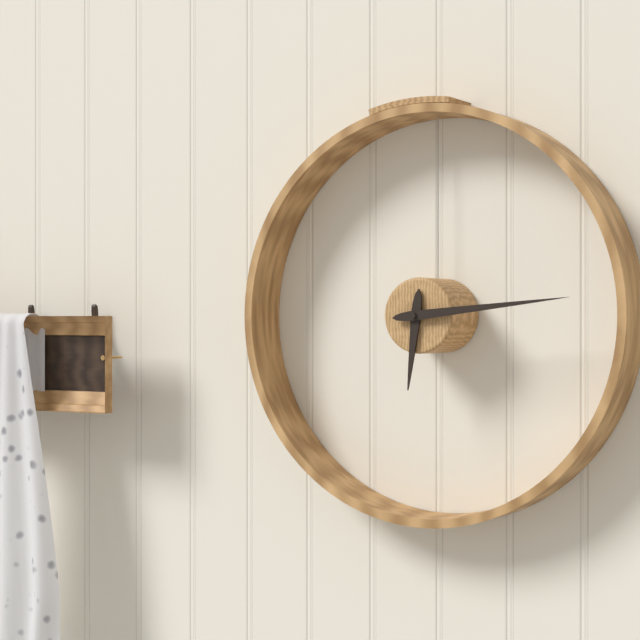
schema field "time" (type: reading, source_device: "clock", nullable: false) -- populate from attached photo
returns 6:14
